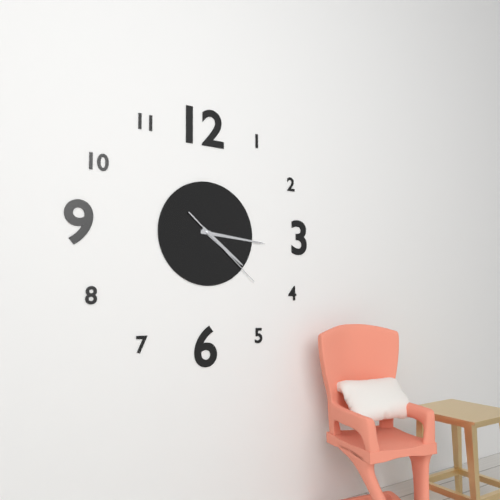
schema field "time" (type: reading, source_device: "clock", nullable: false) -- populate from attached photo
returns 4:16:22
